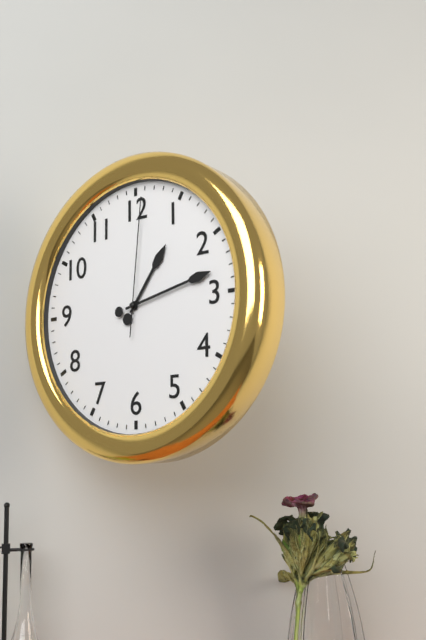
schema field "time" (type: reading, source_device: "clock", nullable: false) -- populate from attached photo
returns 1:13:01
